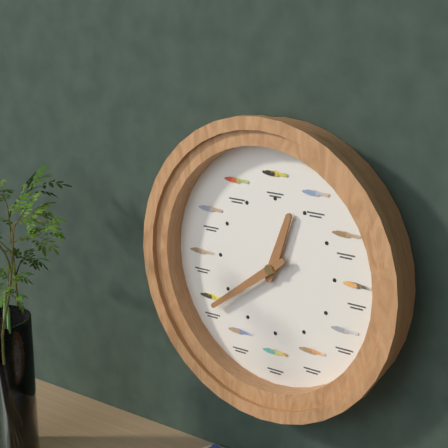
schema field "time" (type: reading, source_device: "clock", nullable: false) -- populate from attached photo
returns 12:39
